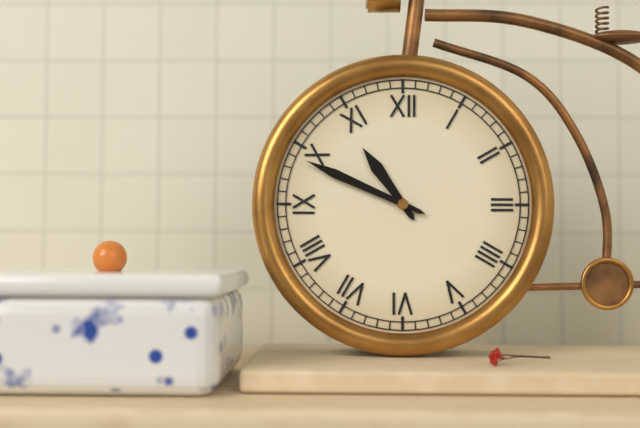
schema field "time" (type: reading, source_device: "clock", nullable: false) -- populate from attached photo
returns 10:49
